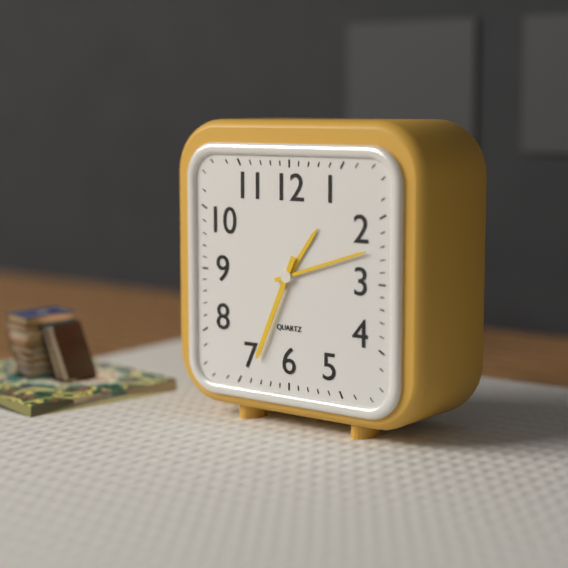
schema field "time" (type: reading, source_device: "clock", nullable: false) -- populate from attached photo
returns 1:12:34
